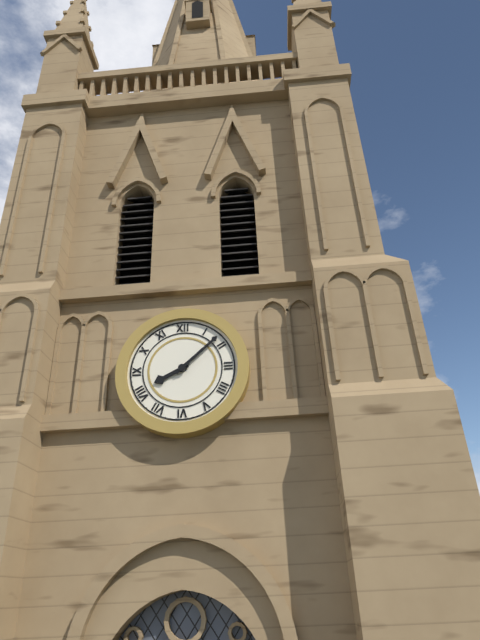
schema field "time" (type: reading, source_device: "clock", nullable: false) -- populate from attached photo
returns 8:08
